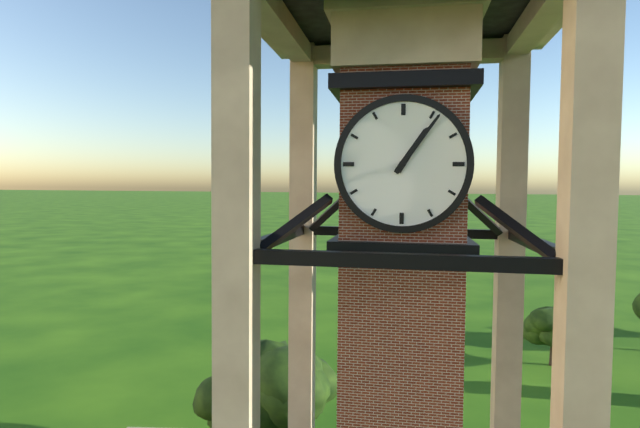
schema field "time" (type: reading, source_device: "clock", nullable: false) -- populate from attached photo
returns 1:06
